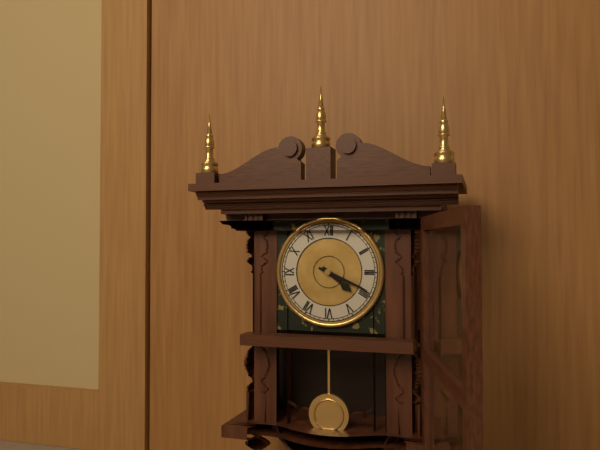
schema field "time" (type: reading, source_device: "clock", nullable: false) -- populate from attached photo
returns 4:19
